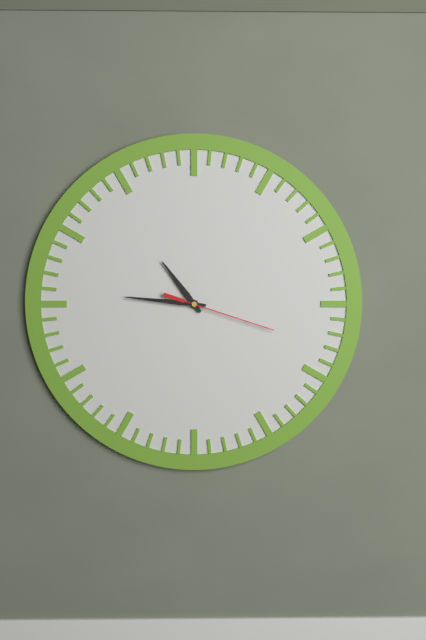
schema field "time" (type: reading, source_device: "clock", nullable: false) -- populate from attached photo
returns 10:46:18
